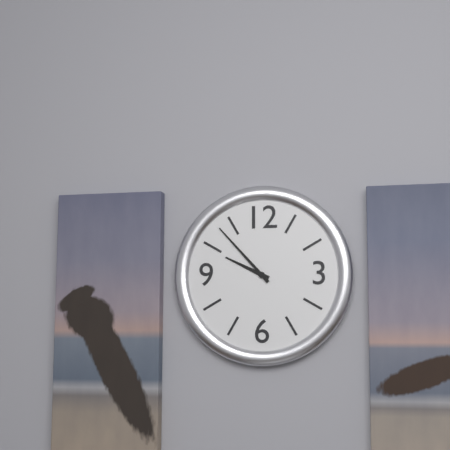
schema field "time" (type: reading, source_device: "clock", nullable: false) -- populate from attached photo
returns 9:53
